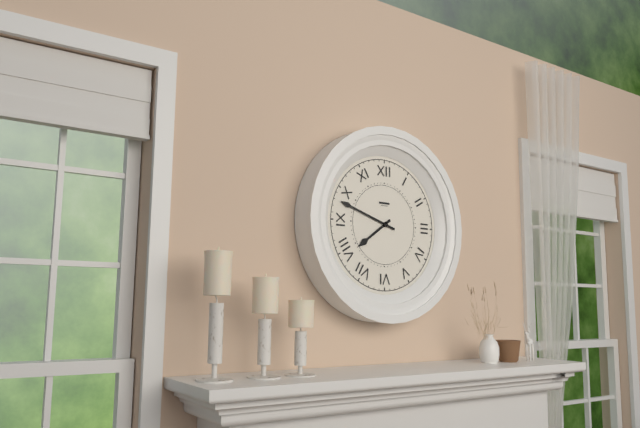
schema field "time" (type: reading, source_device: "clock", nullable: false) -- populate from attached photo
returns 7:48
